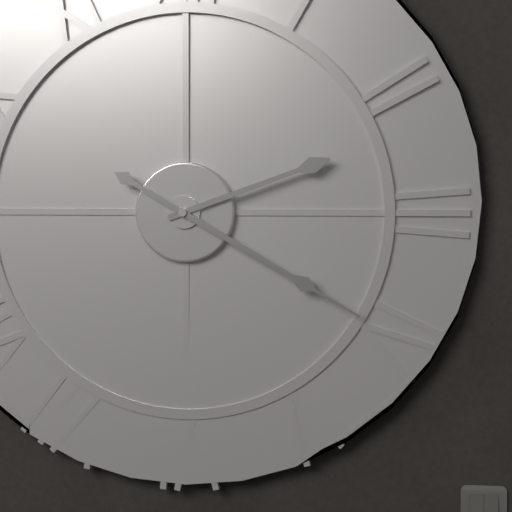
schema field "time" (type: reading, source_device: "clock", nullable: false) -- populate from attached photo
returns 2:20
